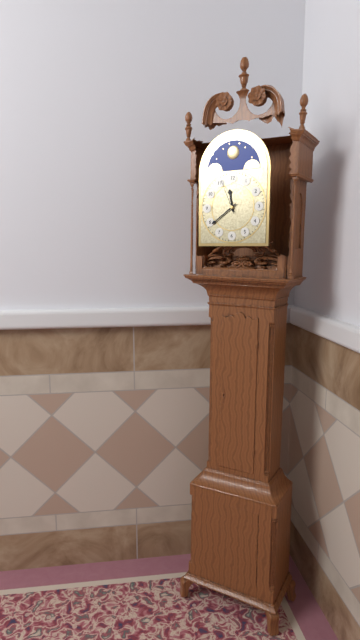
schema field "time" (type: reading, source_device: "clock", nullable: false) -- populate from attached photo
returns 11:39
